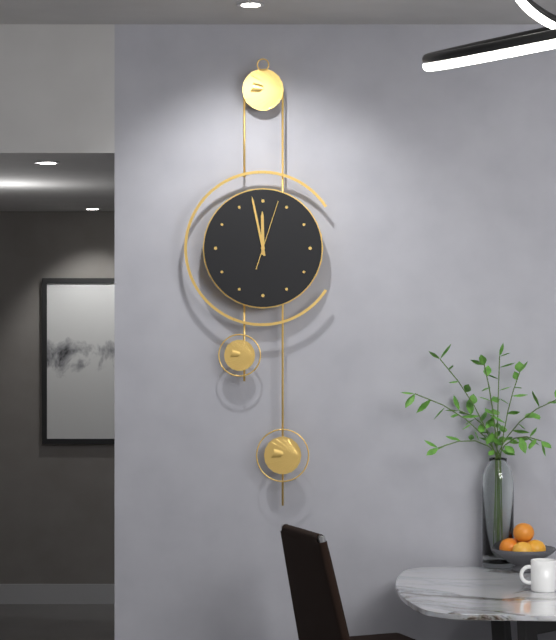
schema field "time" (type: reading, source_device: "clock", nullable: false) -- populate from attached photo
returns 11:58:03
